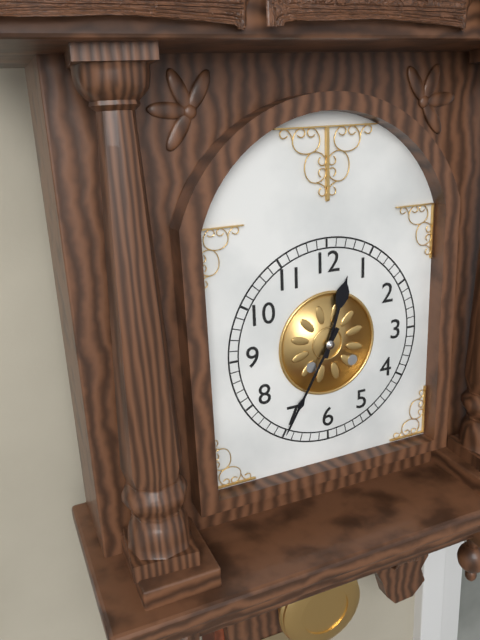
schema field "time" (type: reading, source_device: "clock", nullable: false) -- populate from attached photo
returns 12:35
